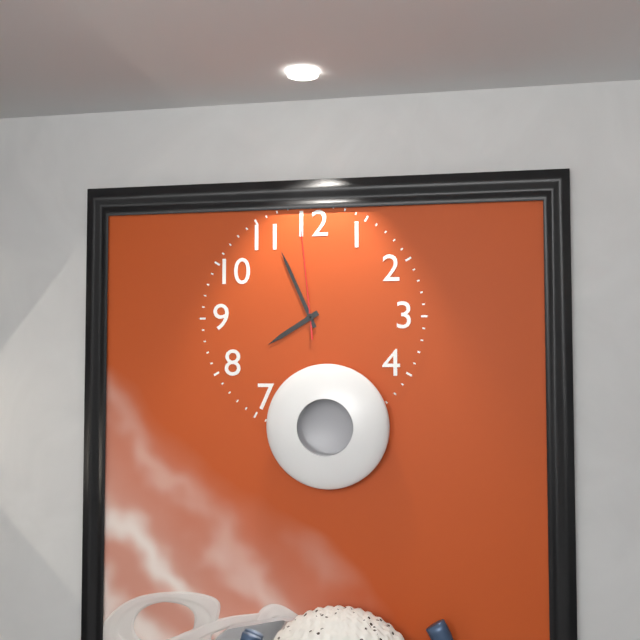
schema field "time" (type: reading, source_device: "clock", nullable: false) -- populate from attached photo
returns 7:56:59
